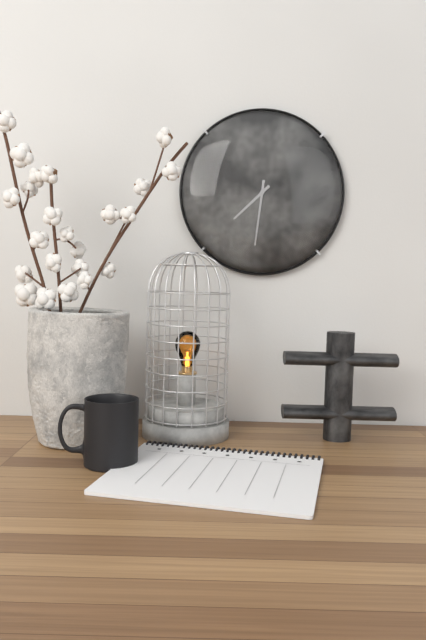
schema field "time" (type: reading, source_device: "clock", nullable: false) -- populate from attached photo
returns 7:31
